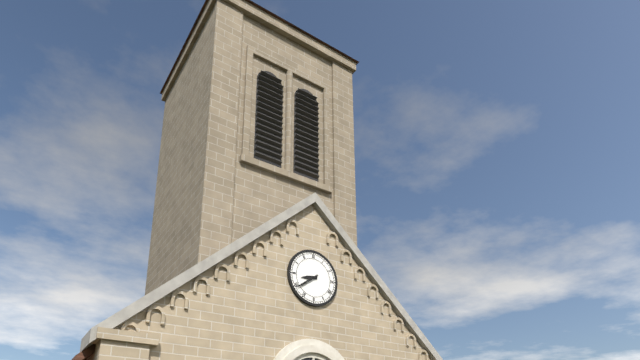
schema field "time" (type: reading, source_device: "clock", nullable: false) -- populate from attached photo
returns 8:39
